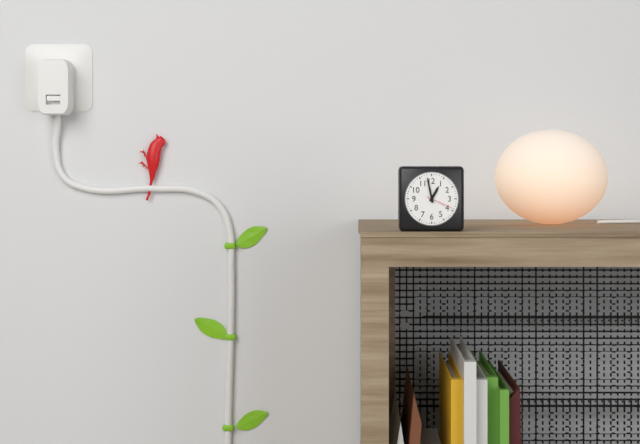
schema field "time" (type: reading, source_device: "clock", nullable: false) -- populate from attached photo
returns 12:58
